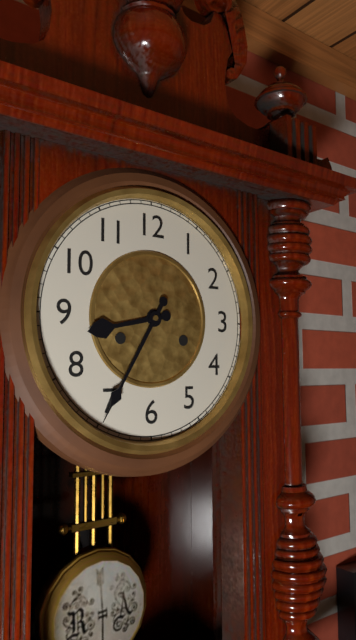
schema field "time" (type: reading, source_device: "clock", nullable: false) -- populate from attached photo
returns 8:35
